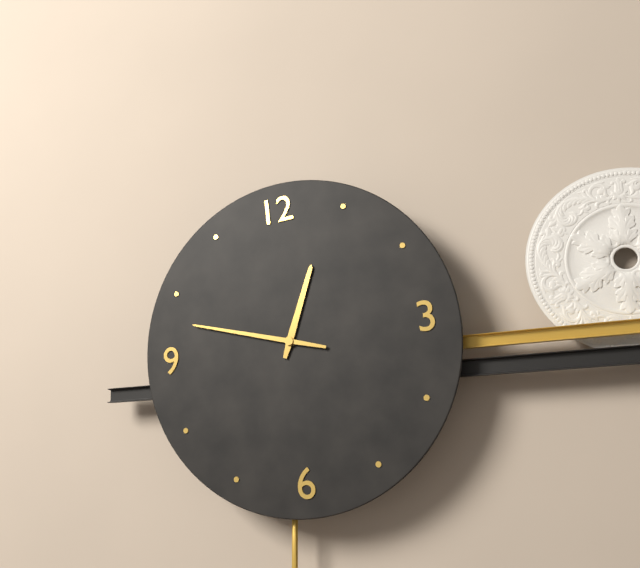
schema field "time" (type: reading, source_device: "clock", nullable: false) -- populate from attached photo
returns 12:48
